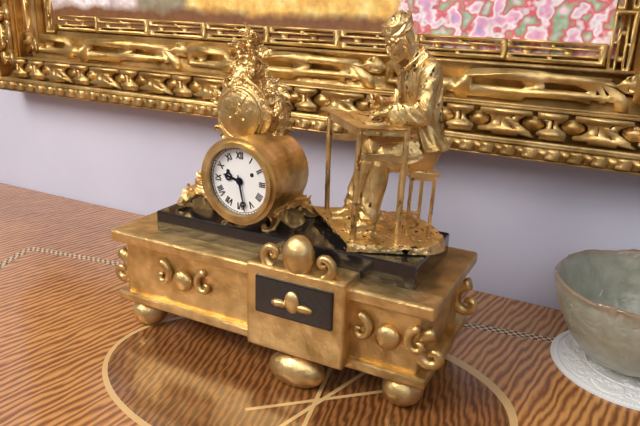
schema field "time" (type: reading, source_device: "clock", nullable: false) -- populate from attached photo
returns 9:28
